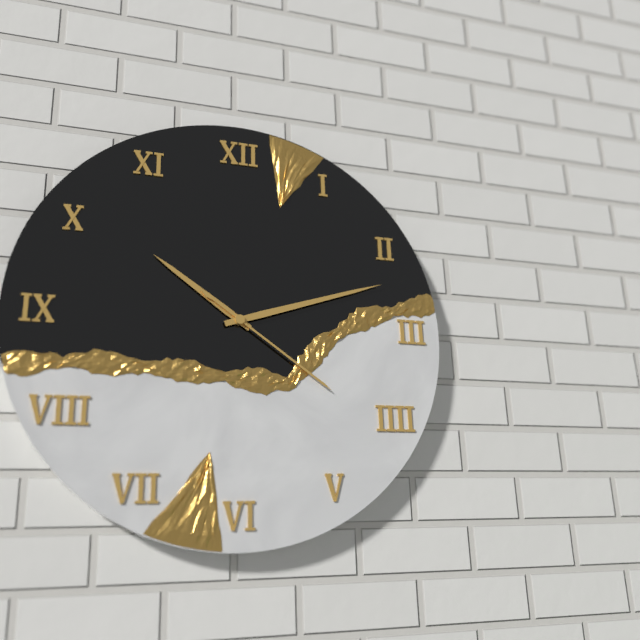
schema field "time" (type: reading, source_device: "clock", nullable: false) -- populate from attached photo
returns 10:12:21
